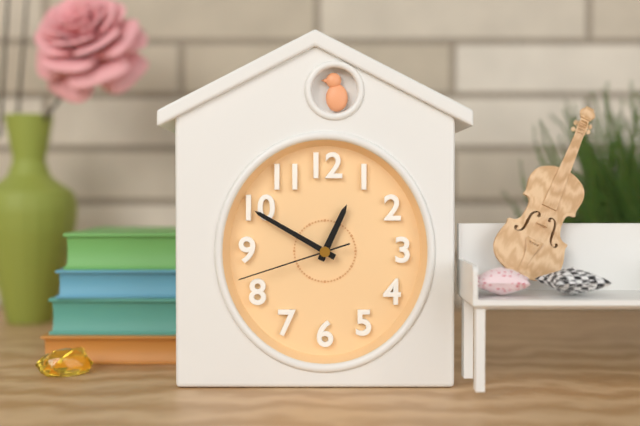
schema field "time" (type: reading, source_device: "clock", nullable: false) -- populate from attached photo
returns 12:50:42
